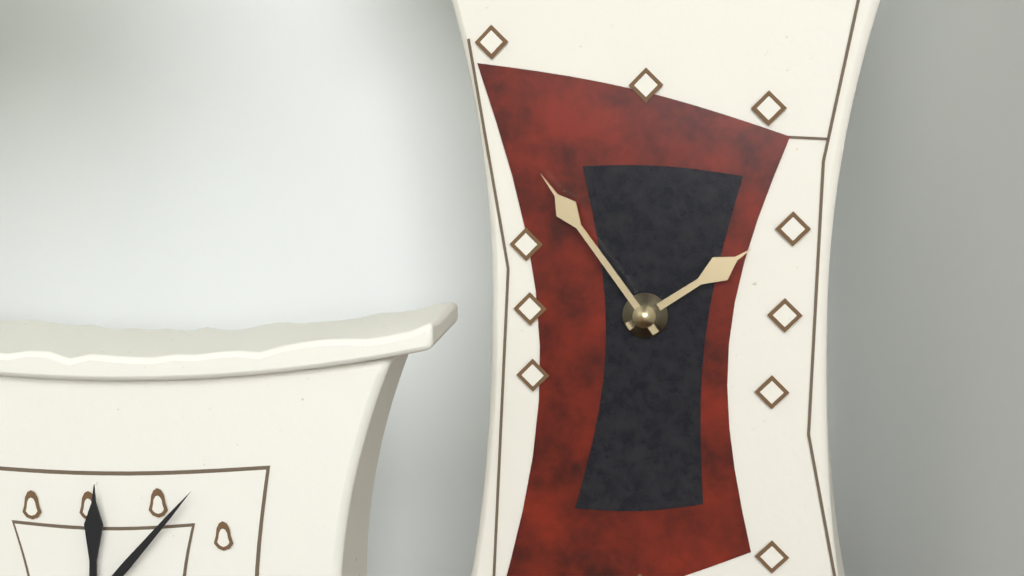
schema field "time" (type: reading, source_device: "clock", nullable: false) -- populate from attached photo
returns 1:54
